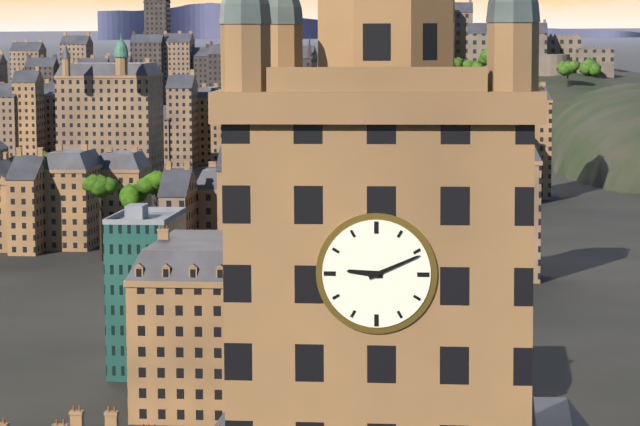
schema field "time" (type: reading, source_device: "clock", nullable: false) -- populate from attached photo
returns 9:11
